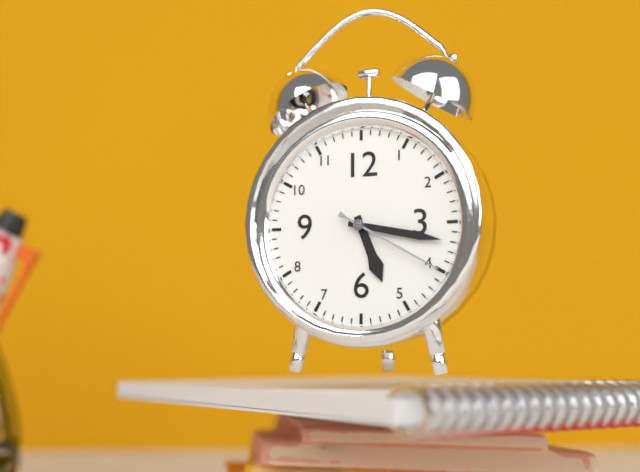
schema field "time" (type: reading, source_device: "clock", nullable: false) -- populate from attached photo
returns 5:17:20
